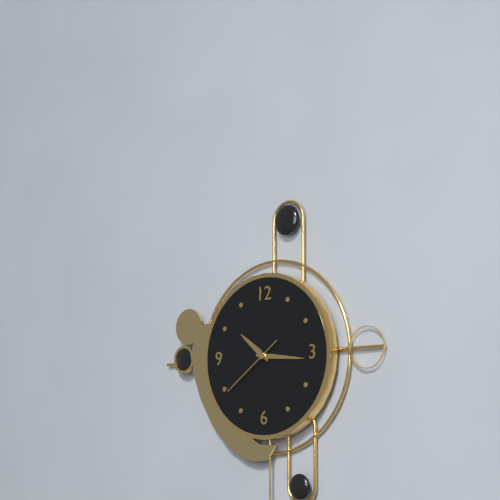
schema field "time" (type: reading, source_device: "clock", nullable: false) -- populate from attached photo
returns 10:16:39
